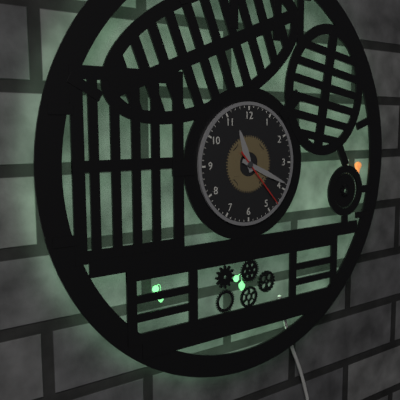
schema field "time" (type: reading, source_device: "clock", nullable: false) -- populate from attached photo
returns 11:19:23
